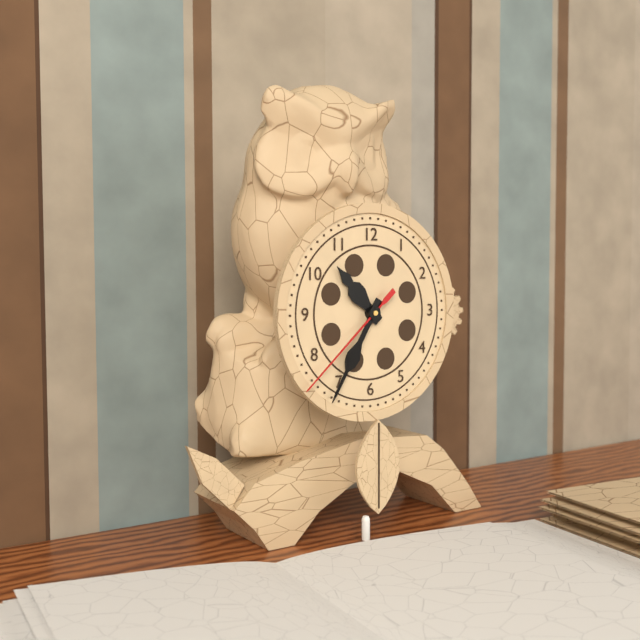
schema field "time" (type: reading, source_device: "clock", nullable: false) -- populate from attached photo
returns 10:35:38
